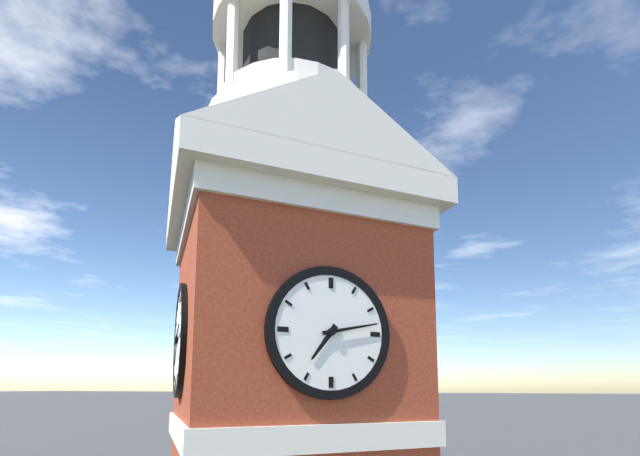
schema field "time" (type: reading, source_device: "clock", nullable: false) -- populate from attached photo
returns 7:13
